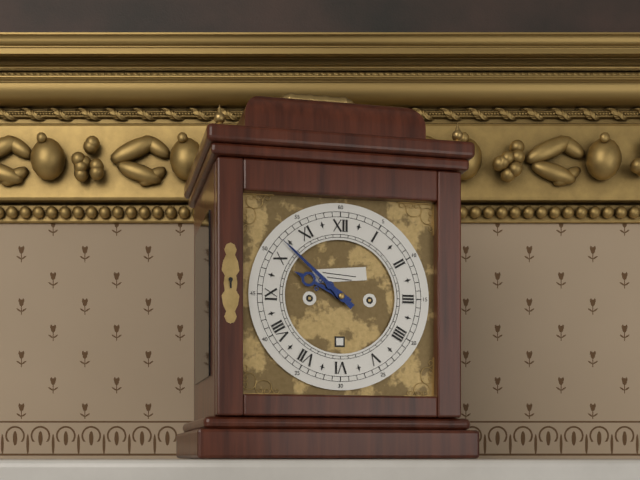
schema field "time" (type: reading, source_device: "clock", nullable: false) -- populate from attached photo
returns 9:52
